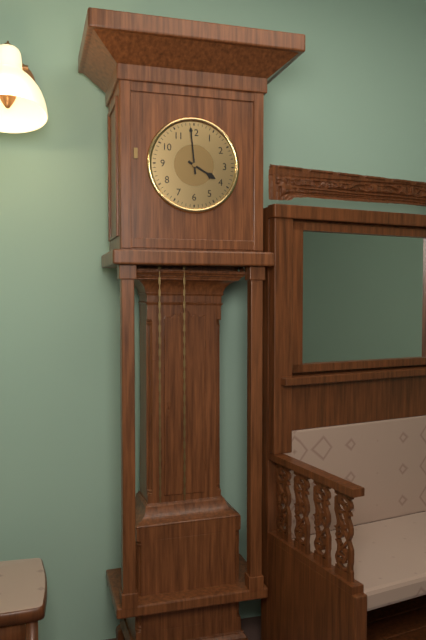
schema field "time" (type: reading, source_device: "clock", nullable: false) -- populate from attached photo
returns 3:59
